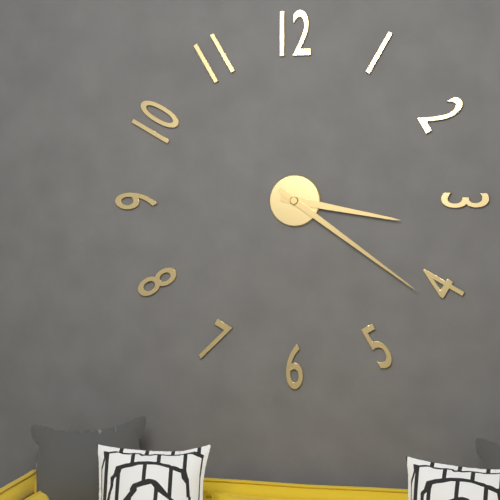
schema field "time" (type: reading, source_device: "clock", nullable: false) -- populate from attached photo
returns 3:21
